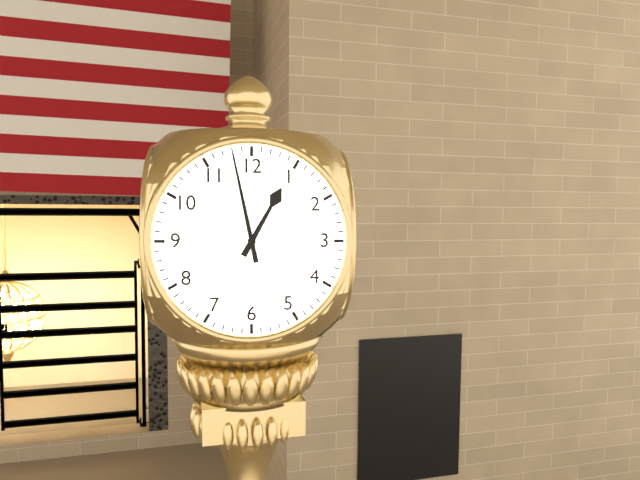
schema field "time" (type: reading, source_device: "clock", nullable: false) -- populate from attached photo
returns 12:58
